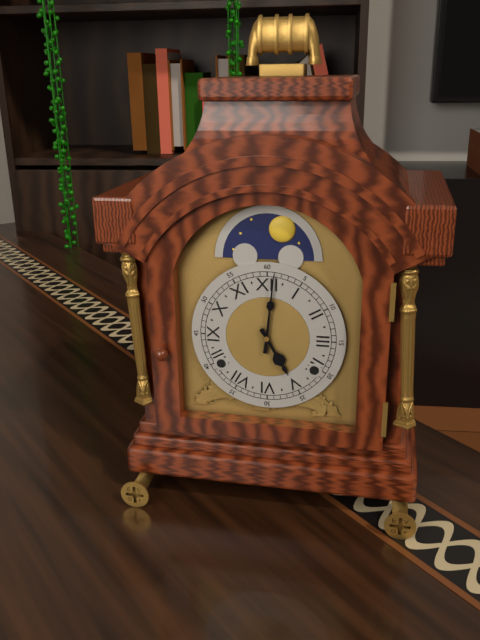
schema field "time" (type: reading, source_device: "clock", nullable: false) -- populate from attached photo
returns 5:01
